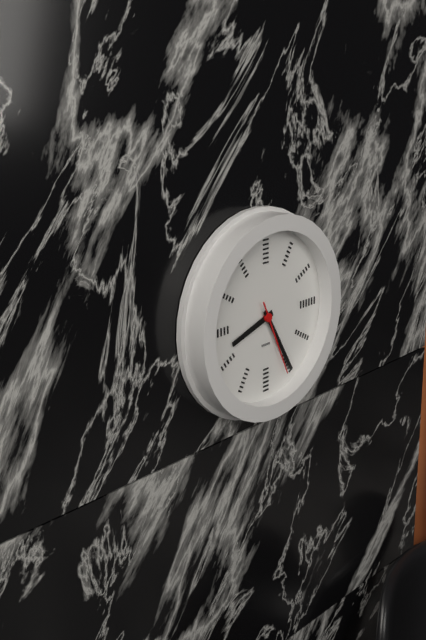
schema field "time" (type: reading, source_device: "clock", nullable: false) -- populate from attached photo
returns 8:25:26
